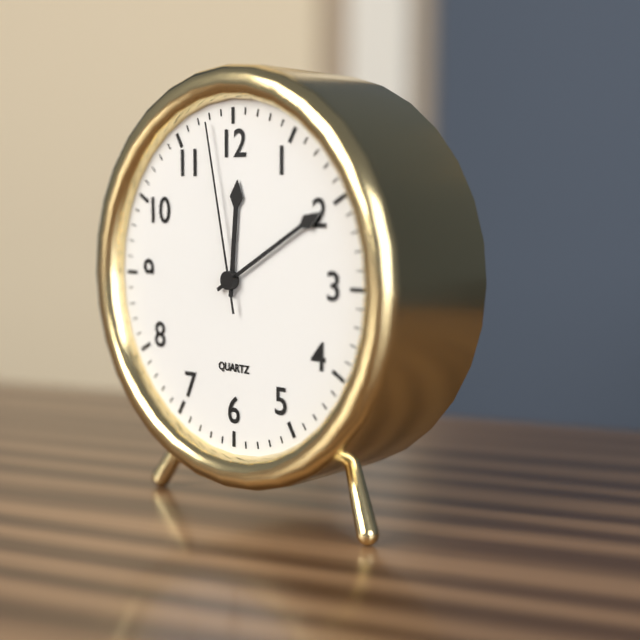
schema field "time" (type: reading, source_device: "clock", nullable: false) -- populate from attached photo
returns 12:10:58
